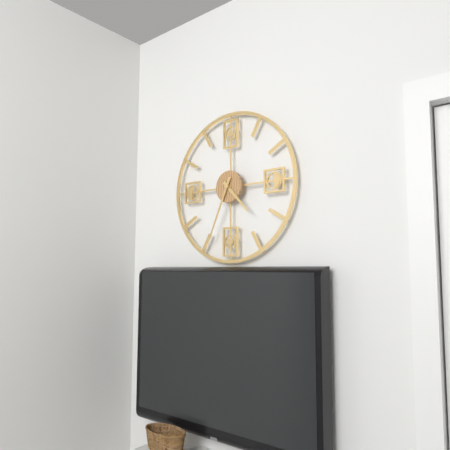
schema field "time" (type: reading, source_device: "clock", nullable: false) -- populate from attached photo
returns 4:34
